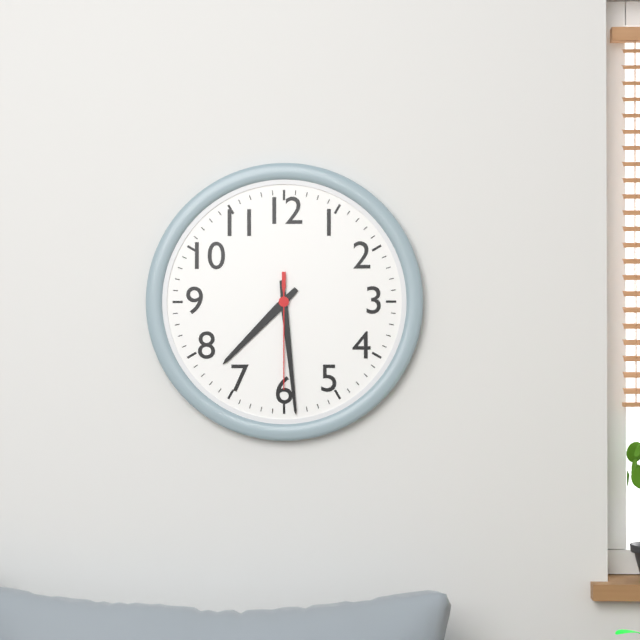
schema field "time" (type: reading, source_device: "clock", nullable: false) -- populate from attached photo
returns 7:29:30
